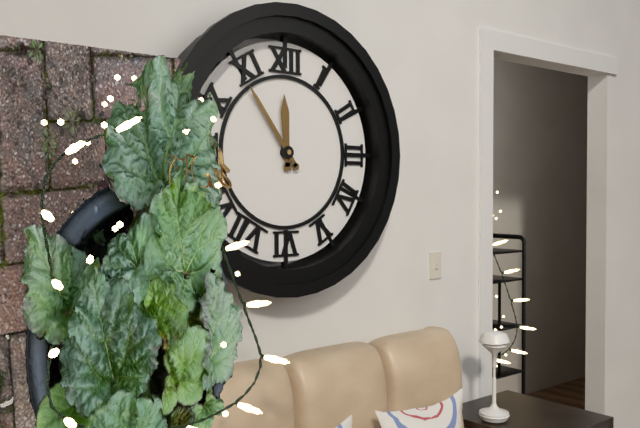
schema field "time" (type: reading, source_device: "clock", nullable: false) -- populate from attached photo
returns 11:54
